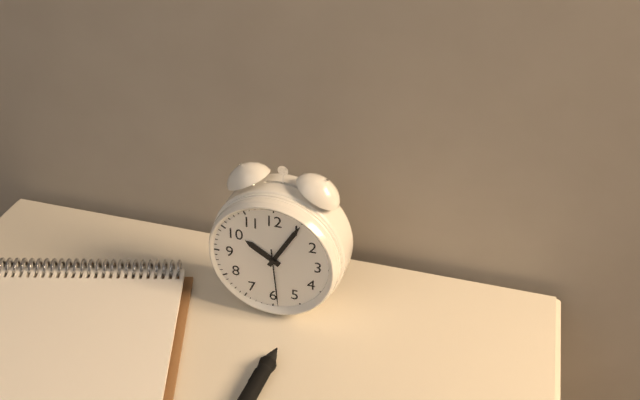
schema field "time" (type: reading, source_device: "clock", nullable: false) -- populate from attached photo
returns 10:05:29
